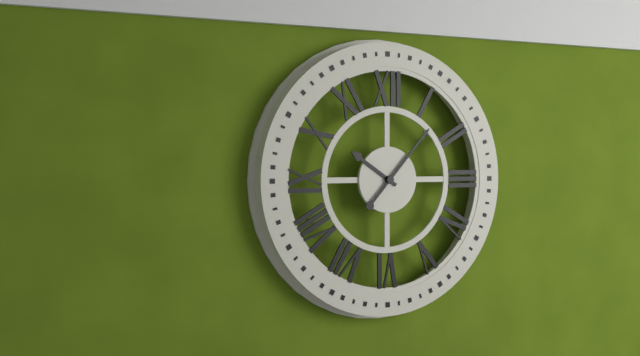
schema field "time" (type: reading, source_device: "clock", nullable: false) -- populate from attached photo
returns 10:07
